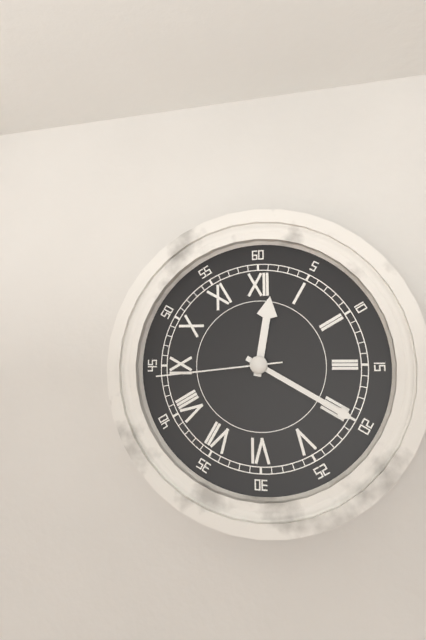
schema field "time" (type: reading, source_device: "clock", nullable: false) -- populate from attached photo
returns 12:20:44
